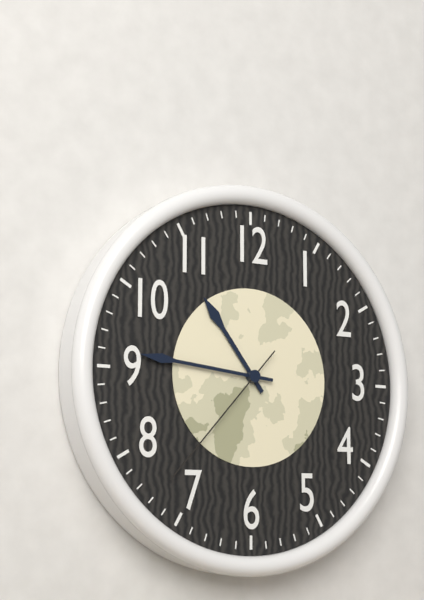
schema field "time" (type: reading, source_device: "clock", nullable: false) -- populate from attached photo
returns 10:46:37
